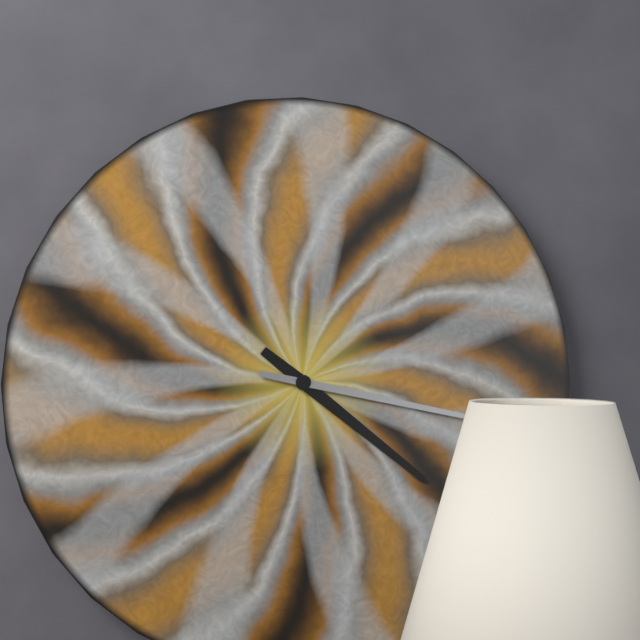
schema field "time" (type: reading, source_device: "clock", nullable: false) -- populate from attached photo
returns 4:17
